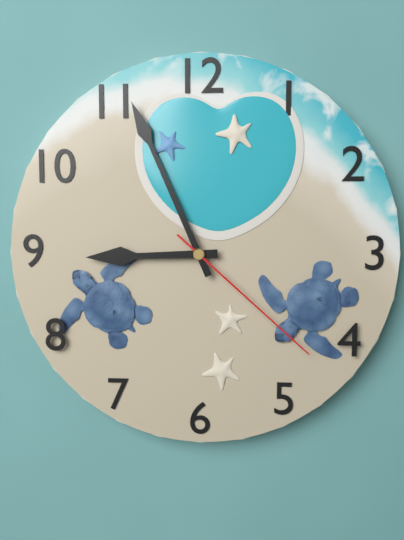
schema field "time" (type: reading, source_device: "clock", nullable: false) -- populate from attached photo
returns 8:56:22
